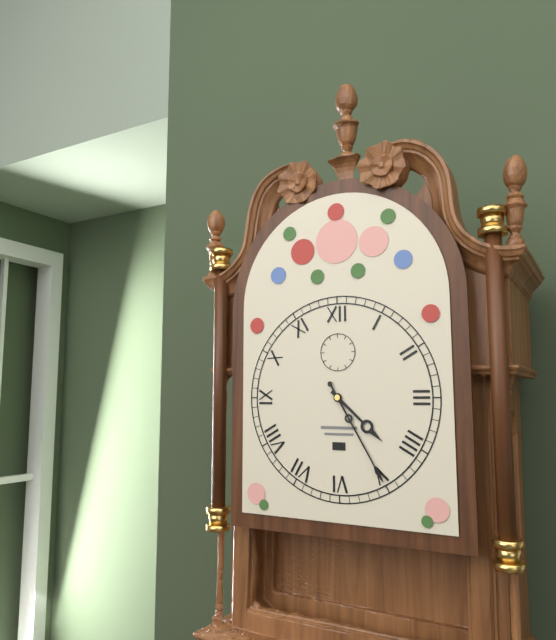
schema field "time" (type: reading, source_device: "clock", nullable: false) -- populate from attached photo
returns 4:25
